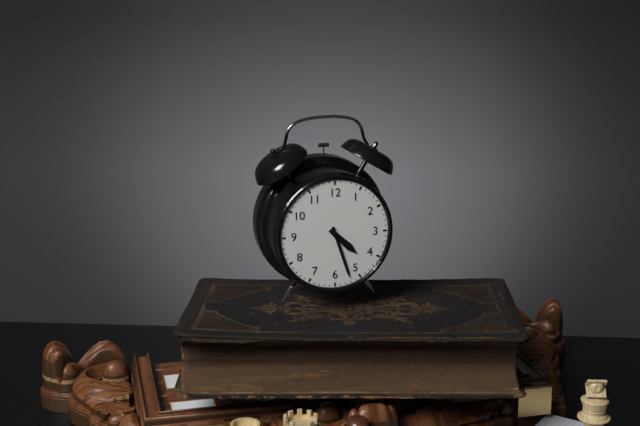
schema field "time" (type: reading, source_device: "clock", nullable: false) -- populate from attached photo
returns 4:27
